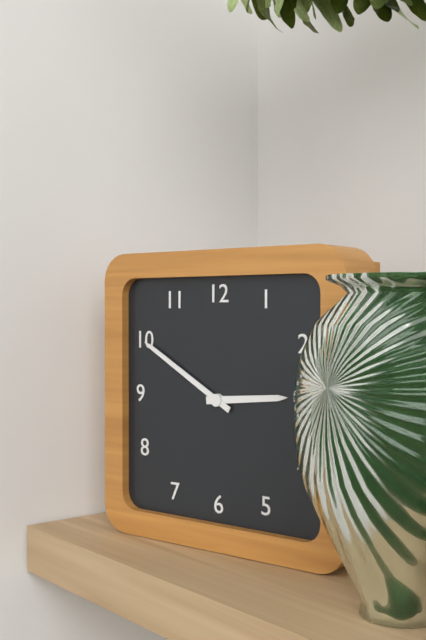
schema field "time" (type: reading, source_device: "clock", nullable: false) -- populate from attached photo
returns 2:50
